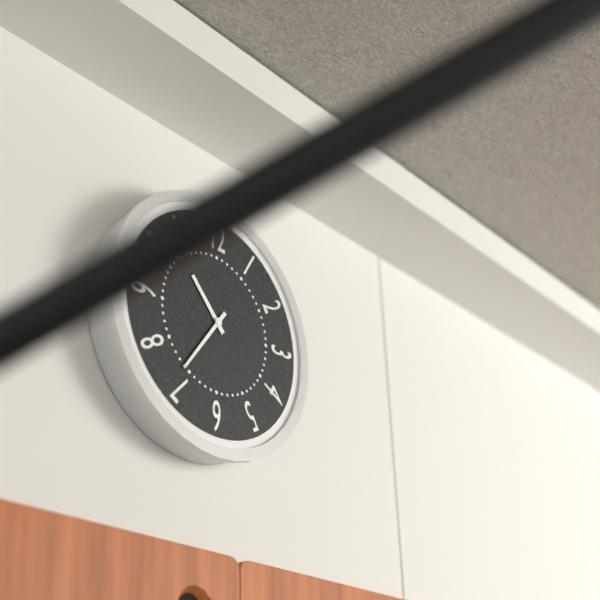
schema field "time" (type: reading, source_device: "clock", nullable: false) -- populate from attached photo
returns 10:36
